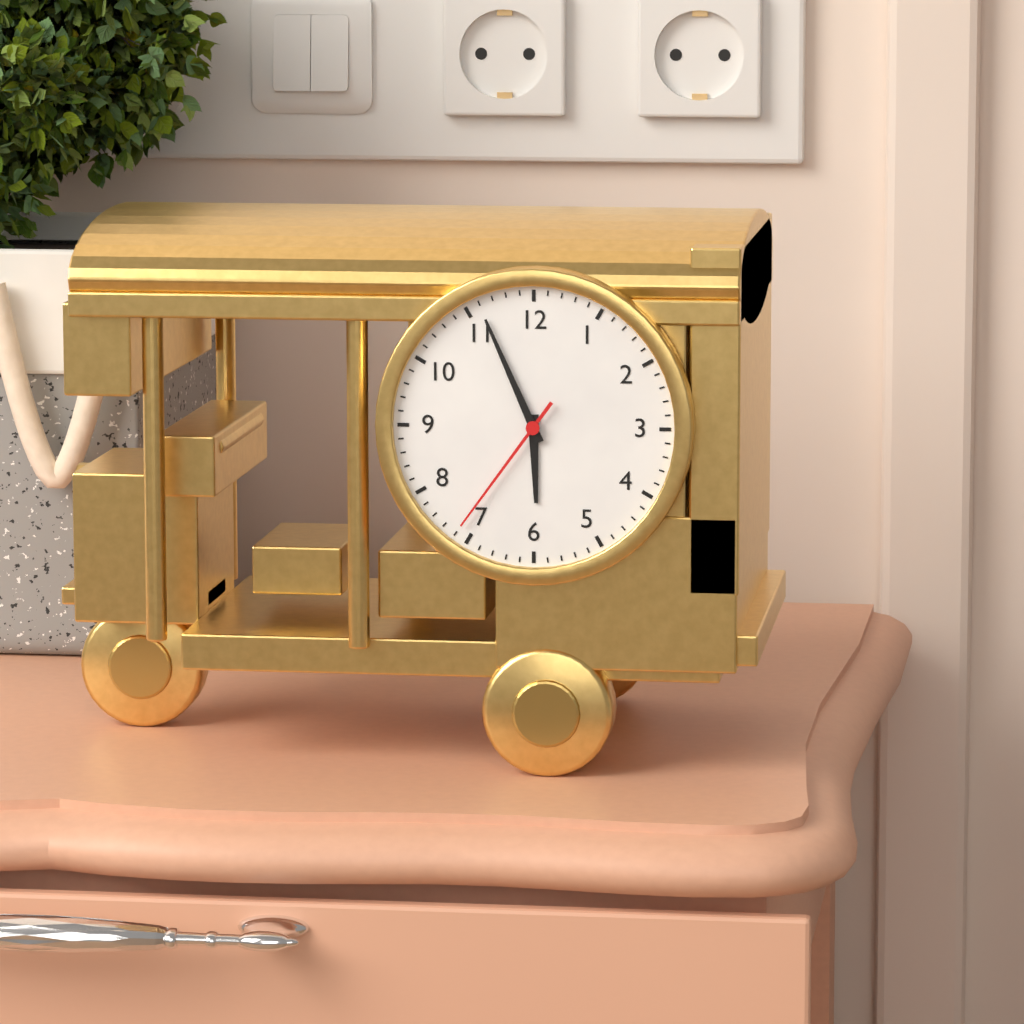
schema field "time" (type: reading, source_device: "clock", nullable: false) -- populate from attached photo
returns 5:56:36
